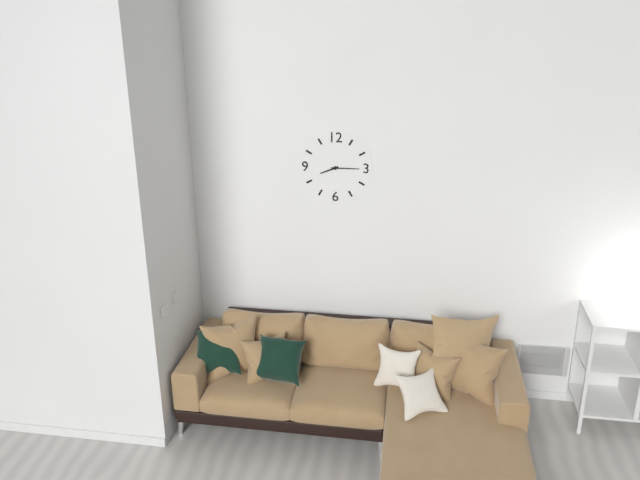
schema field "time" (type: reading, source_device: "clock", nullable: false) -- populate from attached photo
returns 8:15
